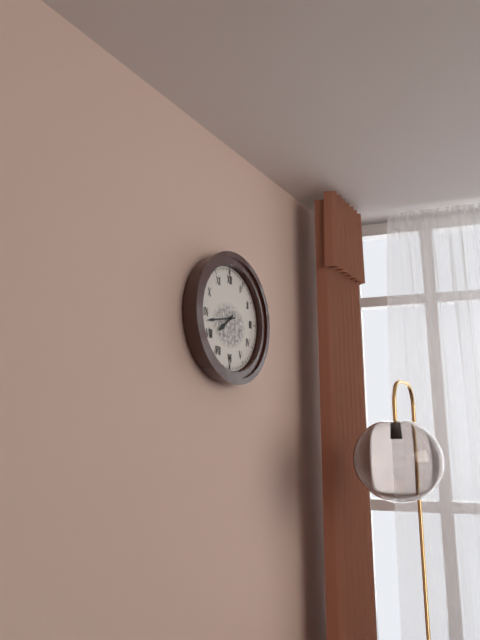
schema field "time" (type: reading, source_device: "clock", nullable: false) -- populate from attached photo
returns 7:43
